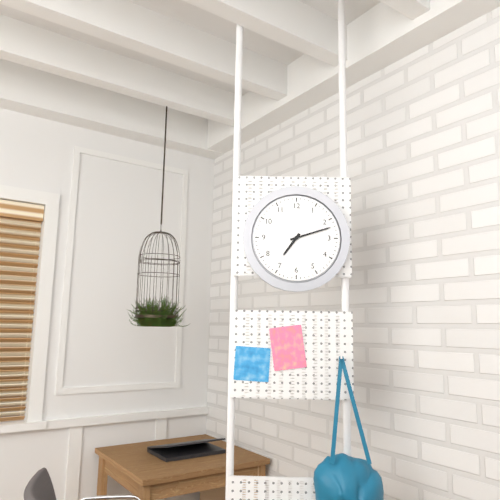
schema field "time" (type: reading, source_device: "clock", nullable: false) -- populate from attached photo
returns 7:12
